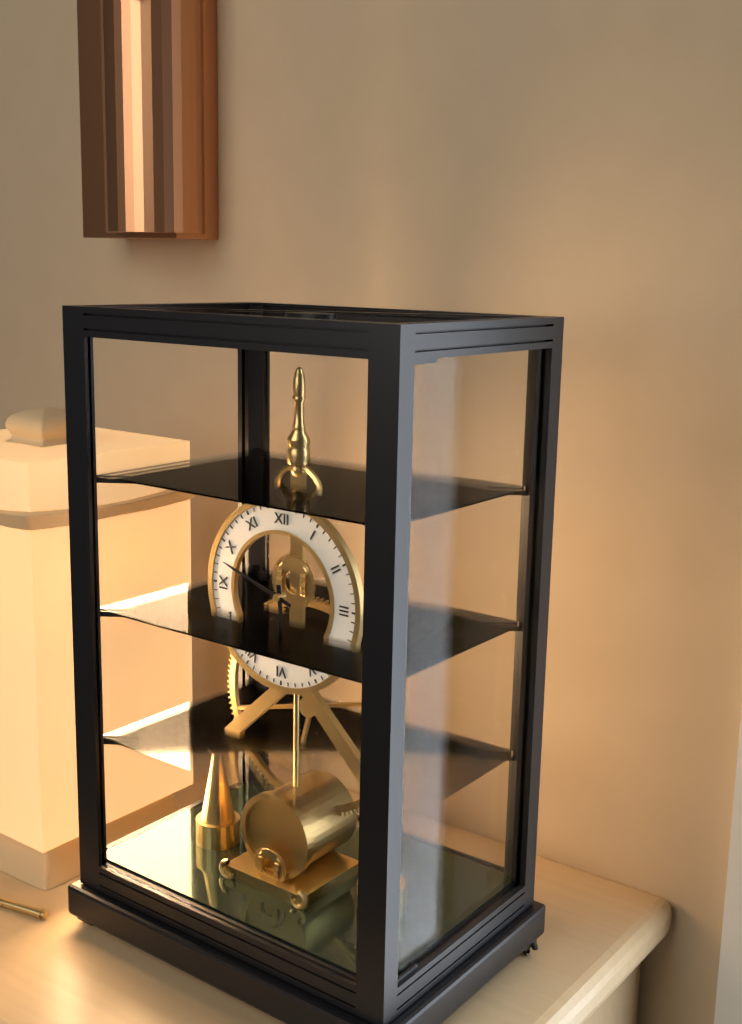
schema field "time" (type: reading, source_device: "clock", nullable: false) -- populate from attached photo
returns 5:48
